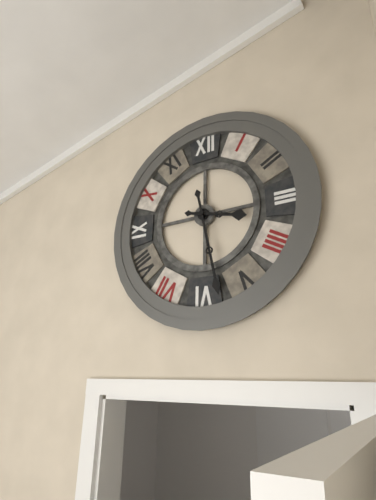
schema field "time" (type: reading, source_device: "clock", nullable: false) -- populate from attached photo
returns 3:28
